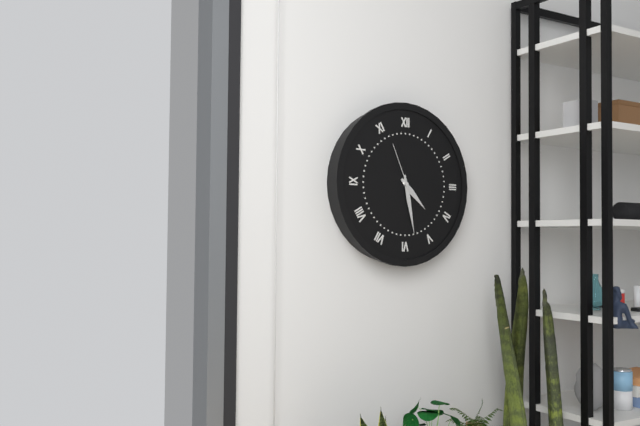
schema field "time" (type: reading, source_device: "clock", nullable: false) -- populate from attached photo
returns 4:28:56
